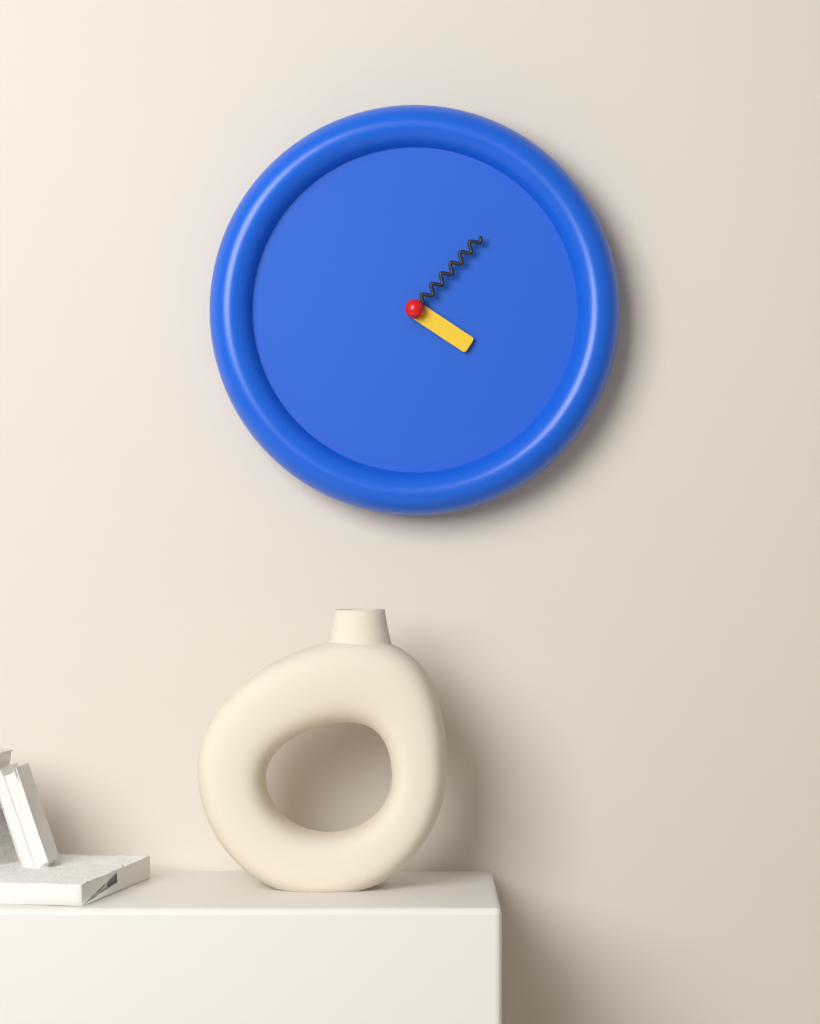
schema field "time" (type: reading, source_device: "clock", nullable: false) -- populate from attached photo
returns 4:07
